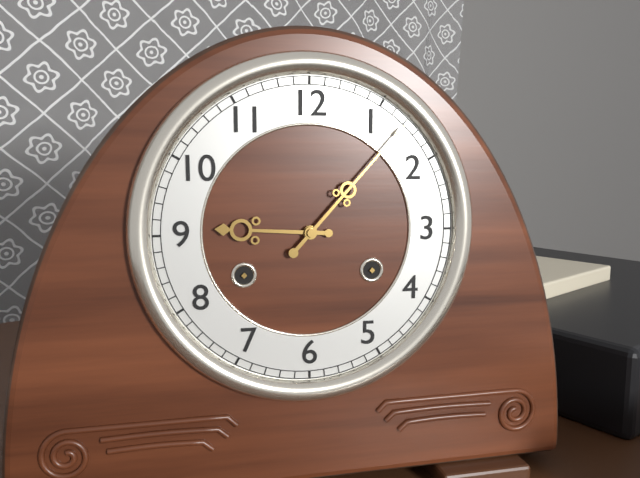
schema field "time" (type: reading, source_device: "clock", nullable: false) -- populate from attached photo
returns 9:07
